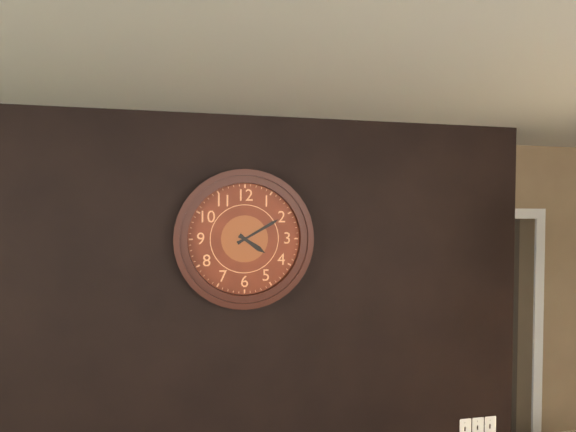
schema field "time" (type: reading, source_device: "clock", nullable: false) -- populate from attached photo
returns 4:10
